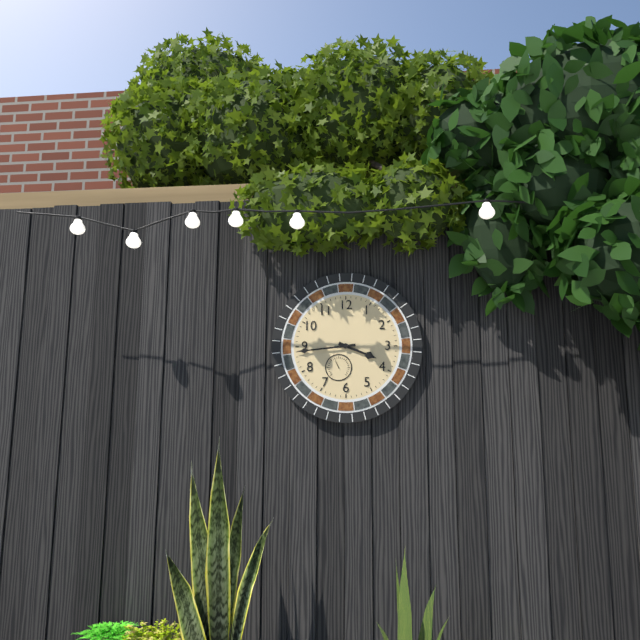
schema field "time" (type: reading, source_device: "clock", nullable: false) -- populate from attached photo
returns 3:44
